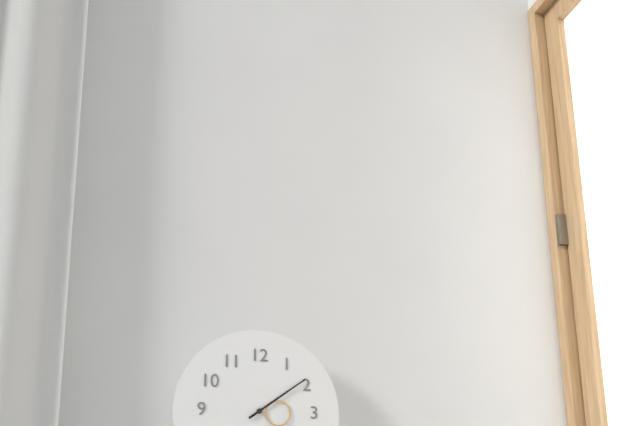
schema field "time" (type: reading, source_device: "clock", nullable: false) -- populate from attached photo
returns 3:09
